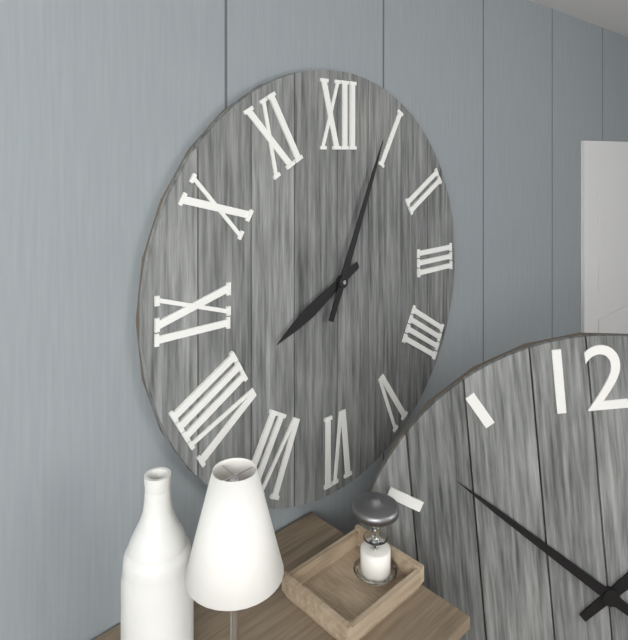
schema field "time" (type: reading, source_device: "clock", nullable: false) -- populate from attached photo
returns 8:04
